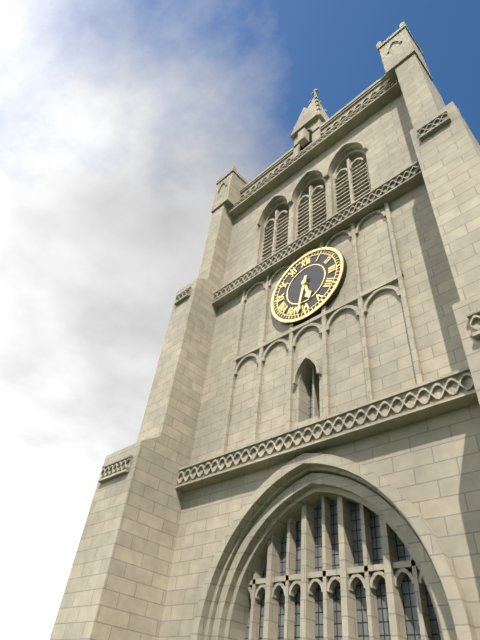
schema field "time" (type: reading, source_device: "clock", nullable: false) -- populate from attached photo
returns 5:32
